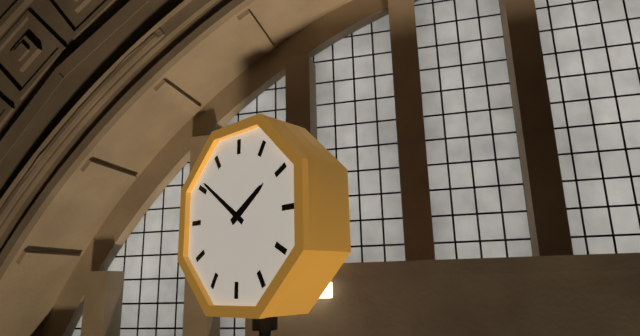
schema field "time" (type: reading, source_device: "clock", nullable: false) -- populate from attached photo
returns 1:51
